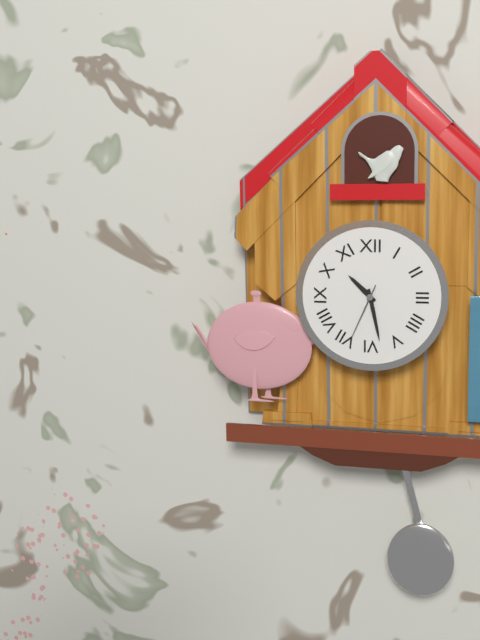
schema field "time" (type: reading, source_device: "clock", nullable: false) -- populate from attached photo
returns 10:28:34
